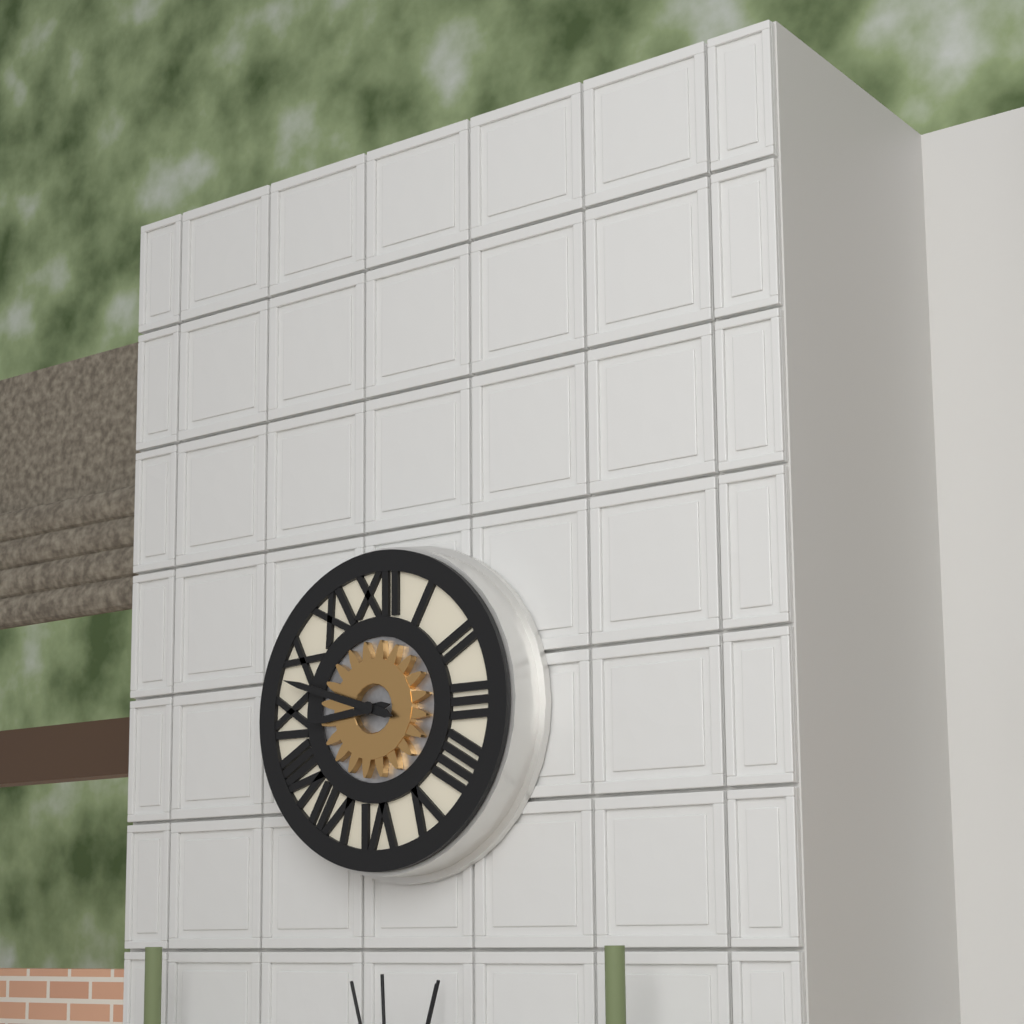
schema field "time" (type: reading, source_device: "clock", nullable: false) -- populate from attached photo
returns 8:48
